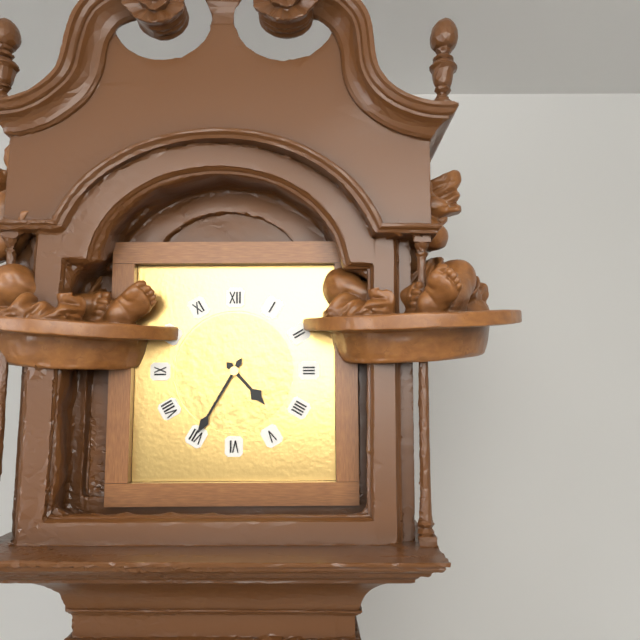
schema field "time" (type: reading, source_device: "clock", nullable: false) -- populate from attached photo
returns 4:35
